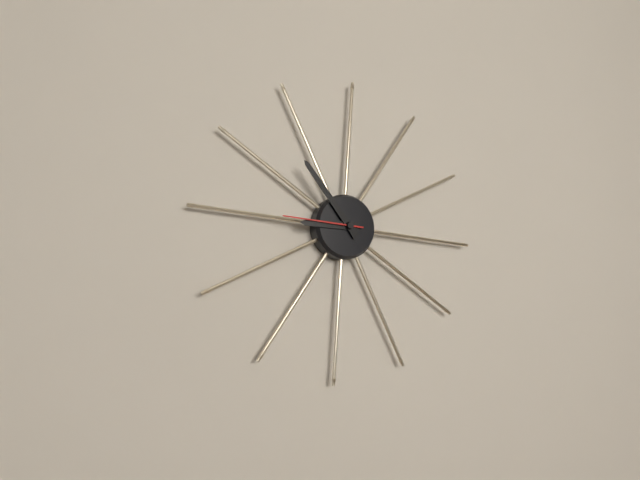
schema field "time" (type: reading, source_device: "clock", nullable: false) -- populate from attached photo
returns 8:53:45
